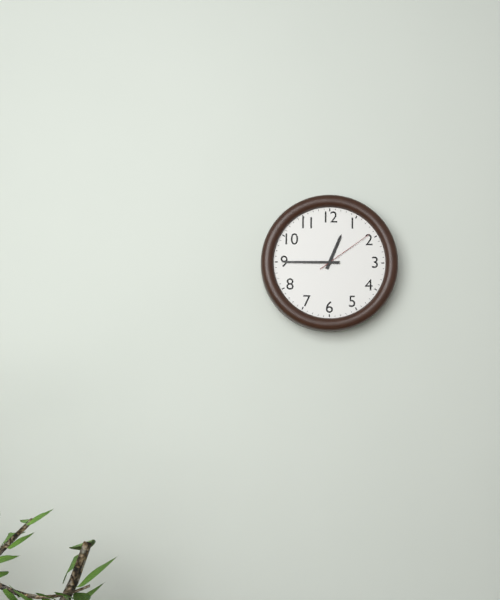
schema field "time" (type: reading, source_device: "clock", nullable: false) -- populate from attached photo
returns 12:45:09
